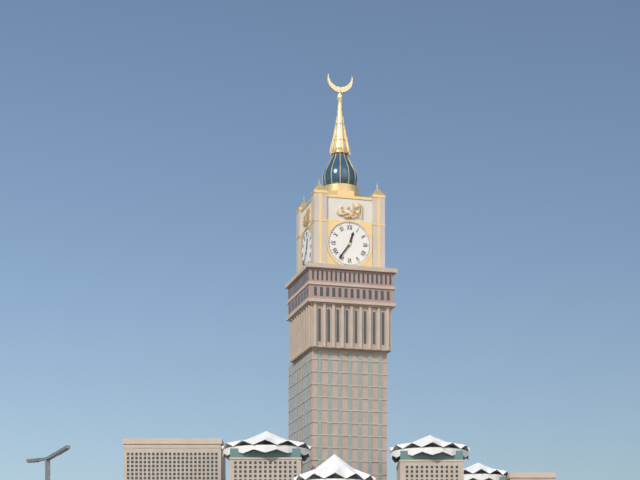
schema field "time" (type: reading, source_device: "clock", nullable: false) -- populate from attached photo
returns 12:36
